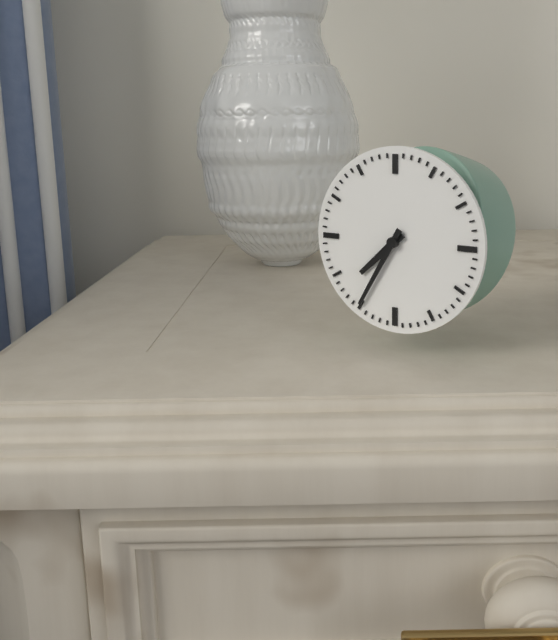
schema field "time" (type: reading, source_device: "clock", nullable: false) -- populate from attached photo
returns 7:35
